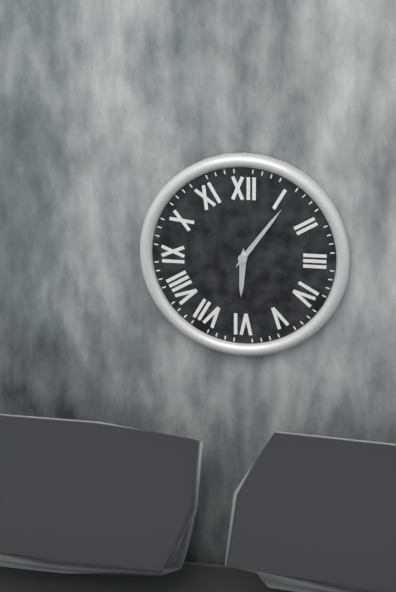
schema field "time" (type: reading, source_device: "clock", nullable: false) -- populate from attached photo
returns 6:06
